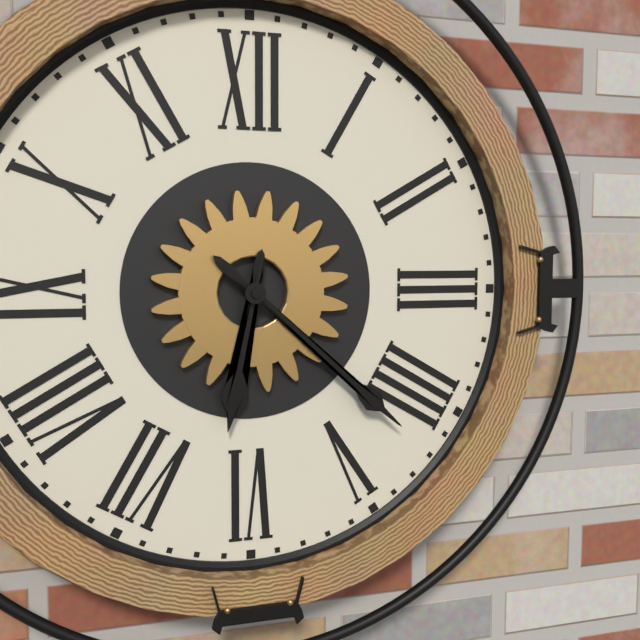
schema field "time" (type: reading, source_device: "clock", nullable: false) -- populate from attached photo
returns 6:22
